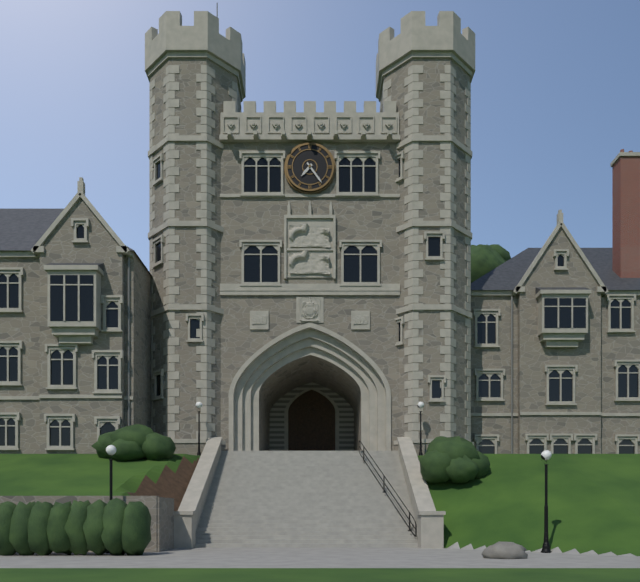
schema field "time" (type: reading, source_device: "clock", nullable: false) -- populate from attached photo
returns 7:24
